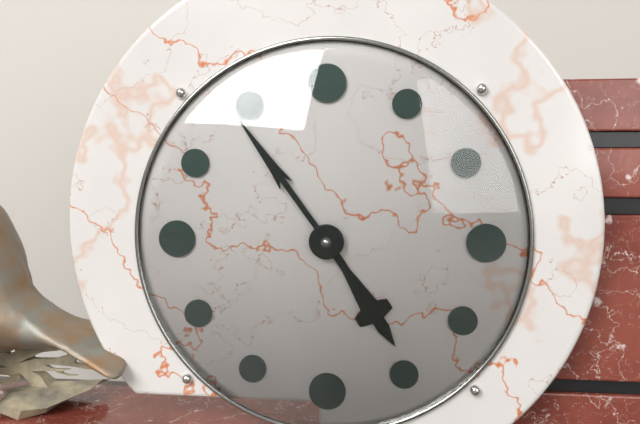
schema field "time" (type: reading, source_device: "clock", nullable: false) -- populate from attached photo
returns 4:54
